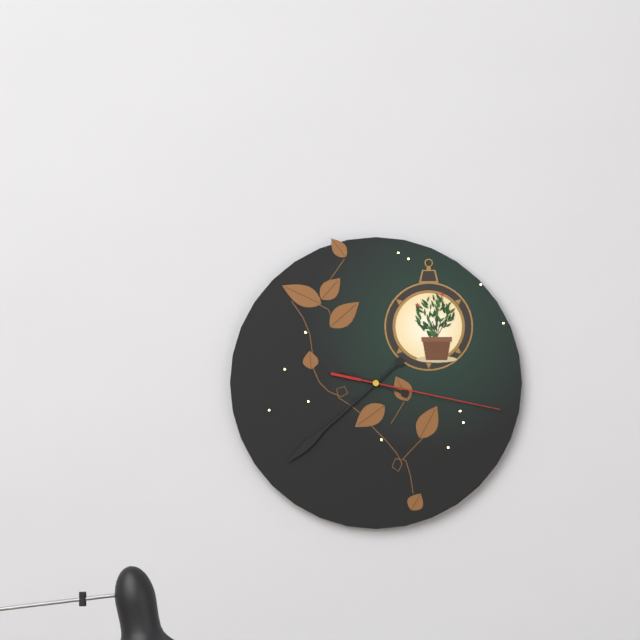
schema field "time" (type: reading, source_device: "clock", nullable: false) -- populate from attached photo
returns 9:38:17
